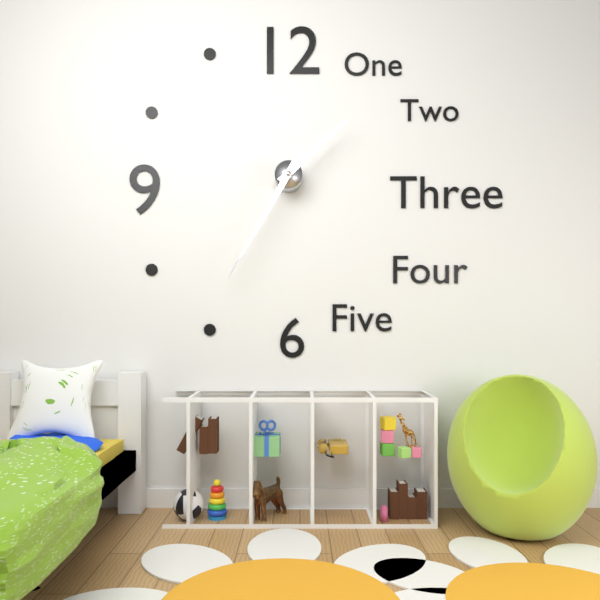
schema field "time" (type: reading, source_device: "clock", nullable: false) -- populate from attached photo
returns 1:35
